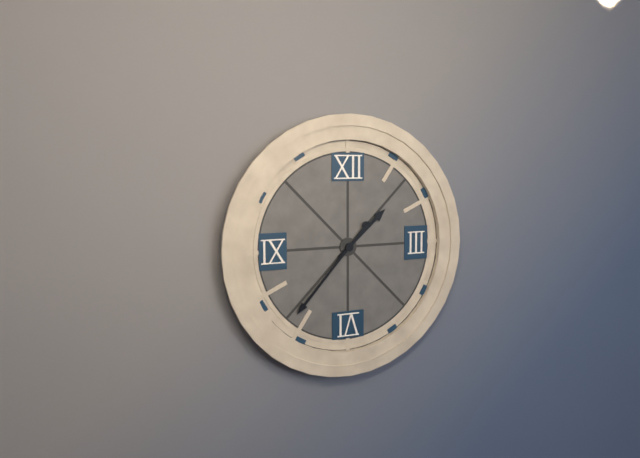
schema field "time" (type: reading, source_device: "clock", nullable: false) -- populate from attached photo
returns 1:37
